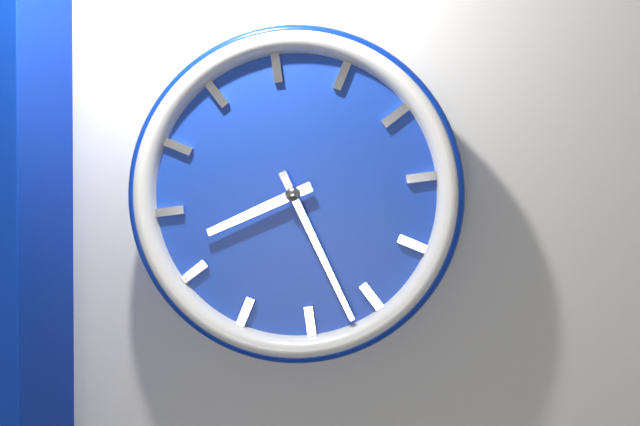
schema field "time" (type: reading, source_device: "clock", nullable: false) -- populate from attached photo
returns 8:27
